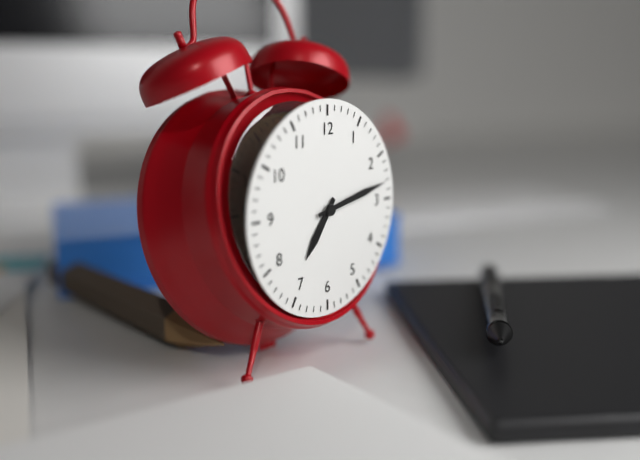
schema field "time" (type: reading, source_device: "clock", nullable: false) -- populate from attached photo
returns 7:13
